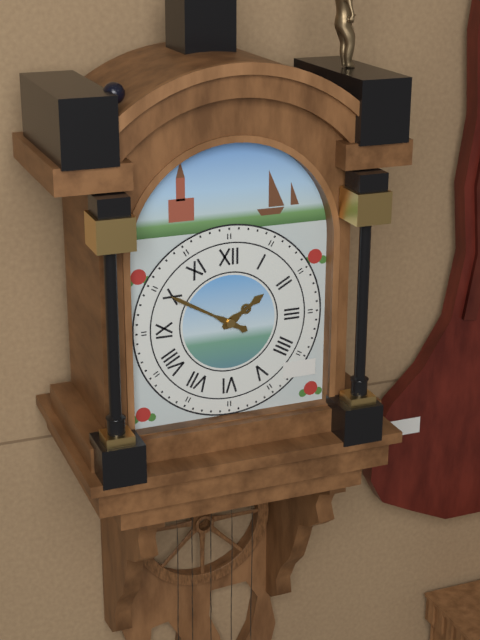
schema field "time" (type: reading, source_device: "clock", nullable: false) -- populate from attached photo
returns 1:50
